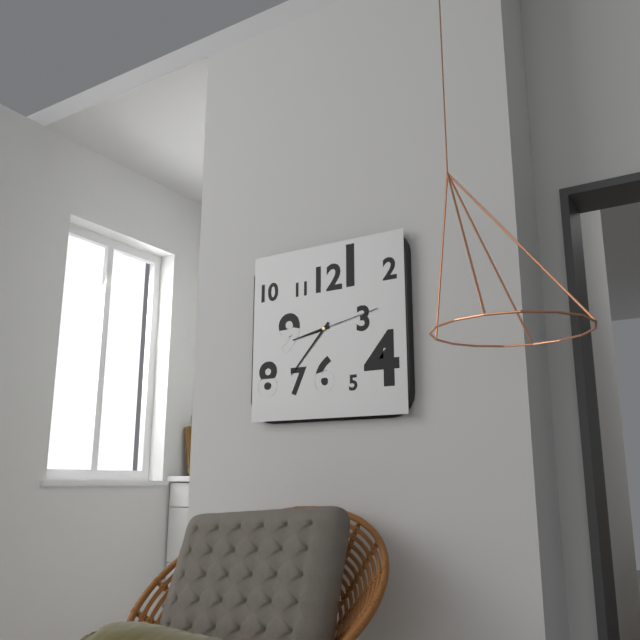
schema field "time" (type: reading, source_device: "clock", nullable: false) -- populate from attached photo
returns 8:37:13
